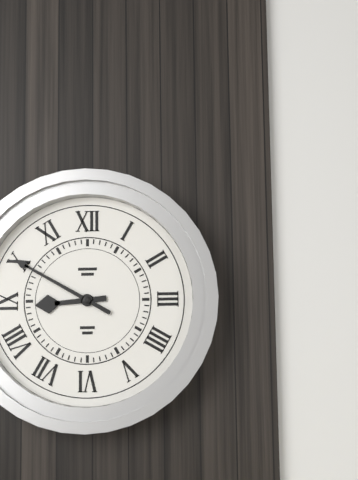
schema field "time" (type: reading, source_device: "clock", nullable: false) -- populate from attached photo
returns 8:50
